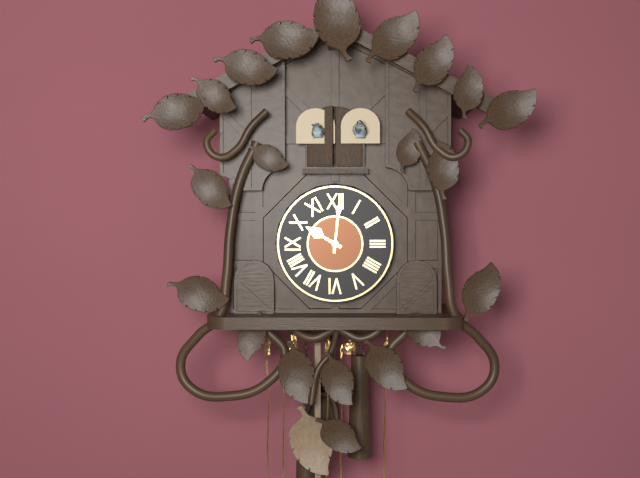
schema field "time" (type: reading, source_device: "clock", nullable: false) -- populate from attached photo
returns 10:01
